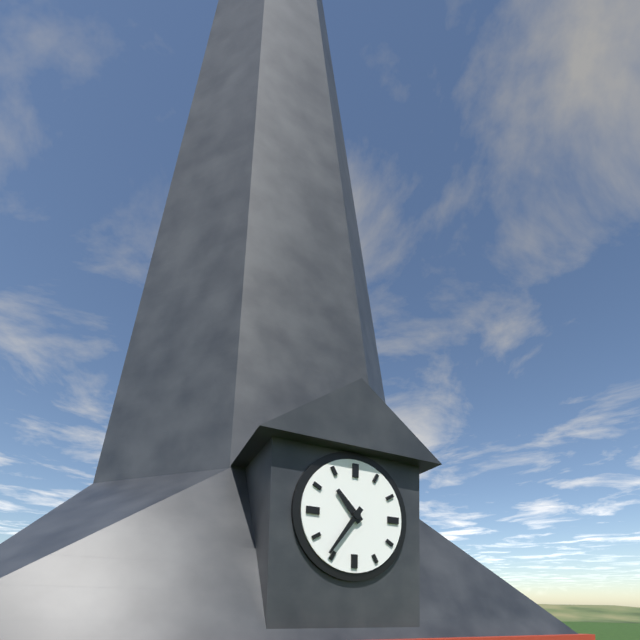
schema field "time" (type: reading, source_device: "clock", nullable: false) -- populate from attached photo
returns 10:36
